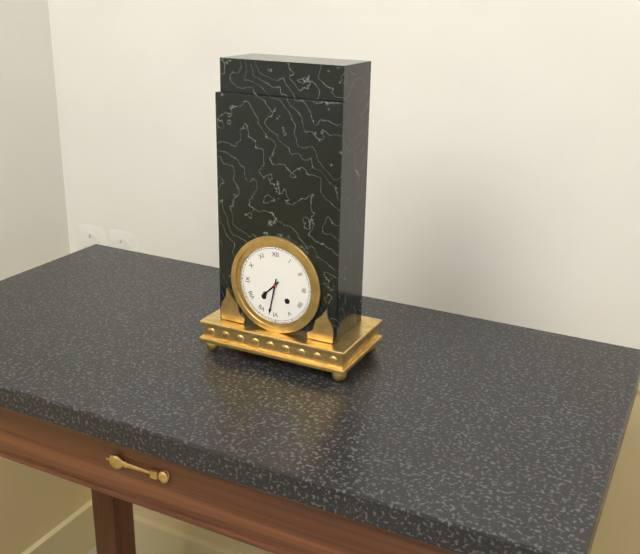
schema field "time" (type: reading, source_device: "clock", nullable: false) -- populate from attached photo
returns 7:32
